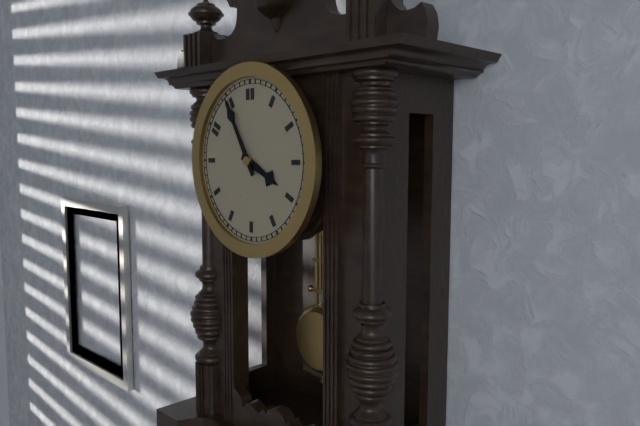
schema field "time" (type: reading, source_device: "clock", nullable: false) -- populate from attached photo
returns 3:55
